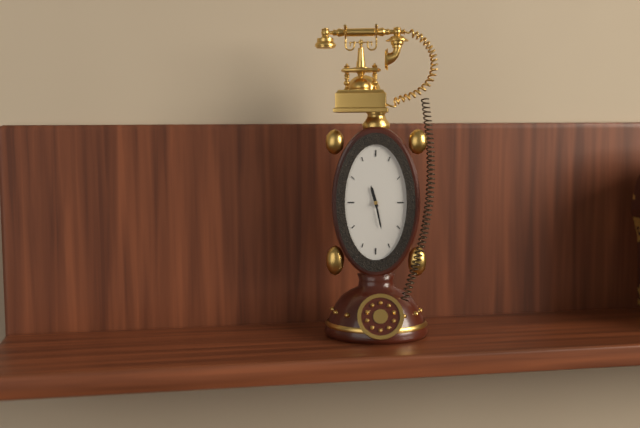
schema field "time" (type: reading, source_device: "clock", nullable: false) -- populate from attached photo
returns 11:28
